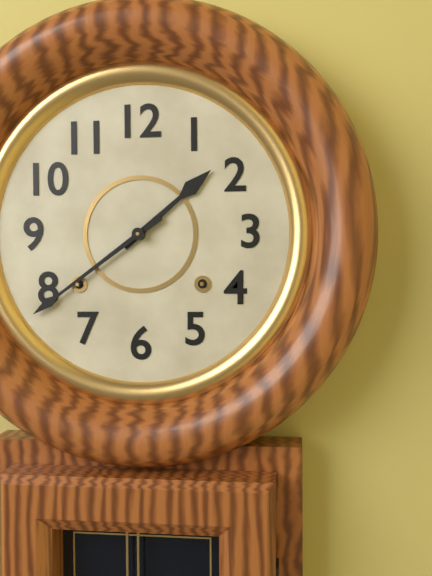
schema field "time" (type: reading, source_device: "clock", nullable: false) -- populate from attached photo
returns 1:39
